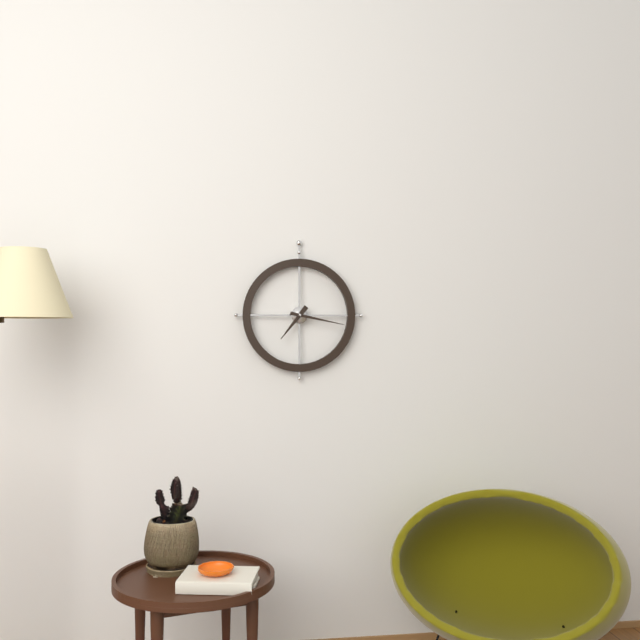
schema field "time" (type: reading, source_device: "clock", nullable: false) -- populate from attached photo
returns 7:17
